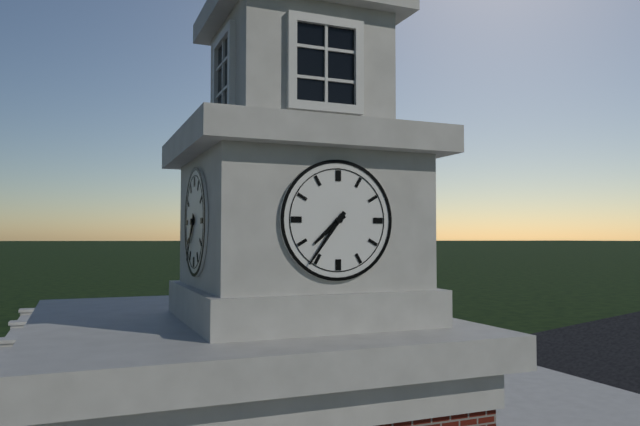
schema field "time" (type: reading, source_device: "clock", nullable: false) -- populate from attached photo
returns 7:36
